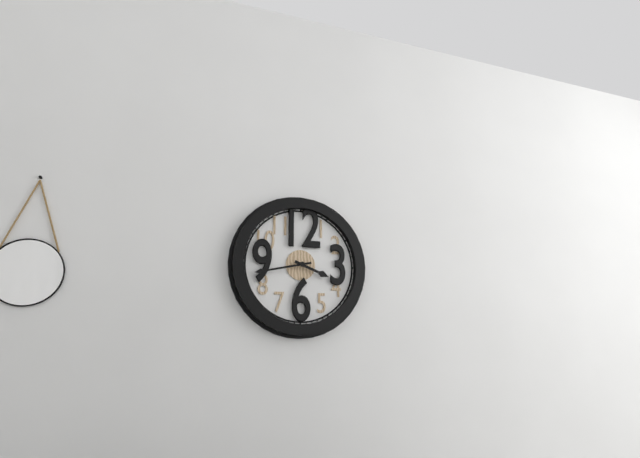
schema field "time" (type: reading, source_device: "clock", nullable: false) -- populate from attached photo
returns 3:43
